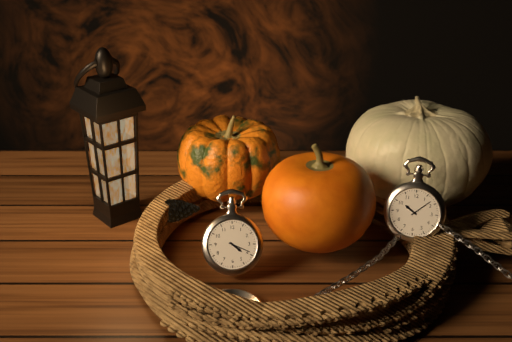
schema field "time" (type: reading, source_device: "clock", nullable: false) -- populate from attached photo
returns 4:19
